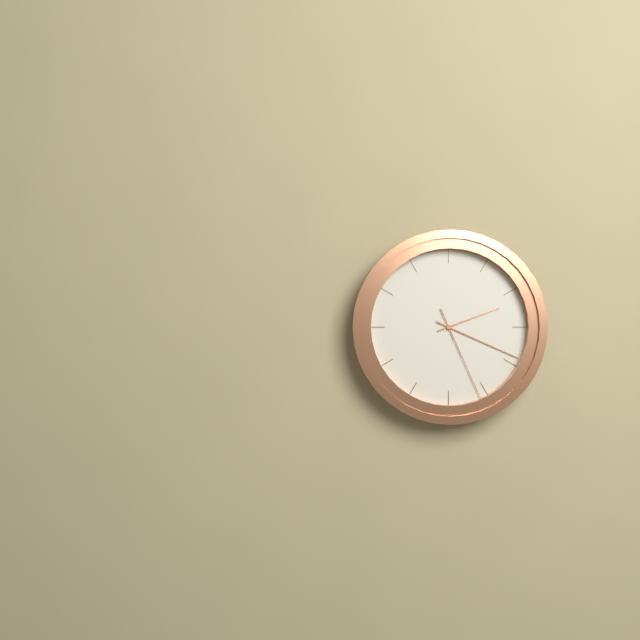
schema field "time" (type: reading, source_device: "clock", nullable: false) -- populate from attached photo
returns 2:19:26
